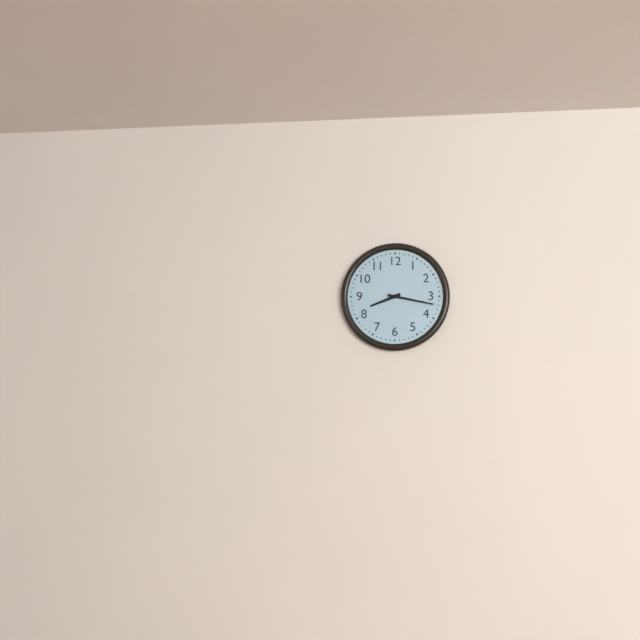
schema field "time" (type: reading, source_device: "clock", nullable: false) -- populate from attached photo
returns 8:17
